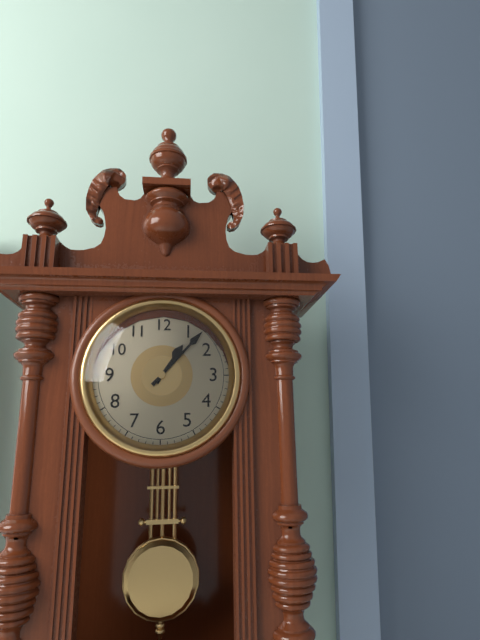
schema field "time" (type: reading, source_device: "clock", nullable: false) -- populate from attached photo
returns 1:07
